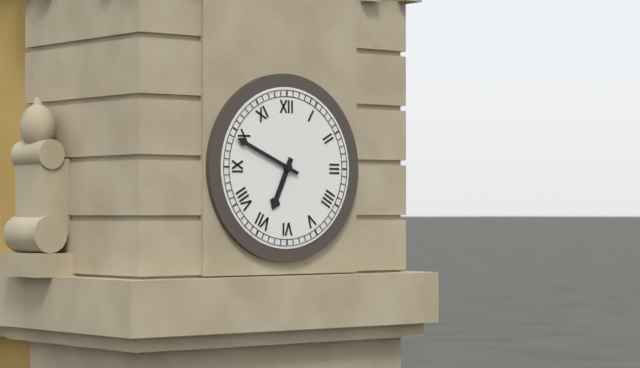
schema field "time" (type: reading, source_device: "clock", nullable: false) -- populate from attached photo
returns 6:49
